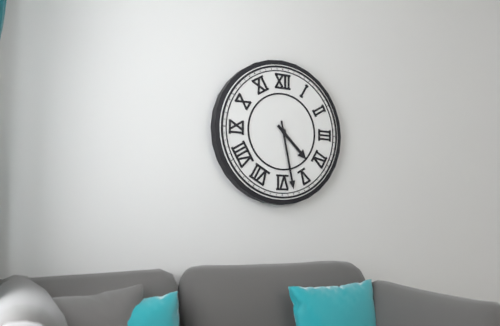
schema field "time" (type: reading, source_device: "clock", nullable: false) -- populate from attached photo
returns 4:28
